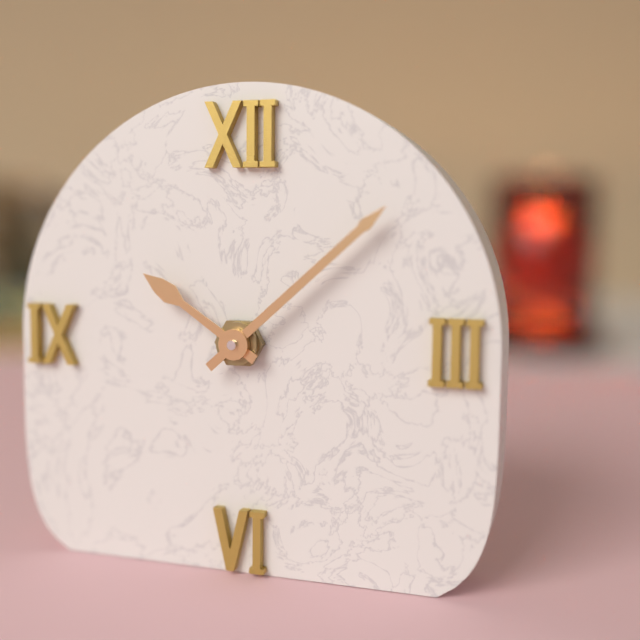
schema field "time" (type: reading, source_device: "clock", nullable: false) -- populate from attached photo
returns 10:08
